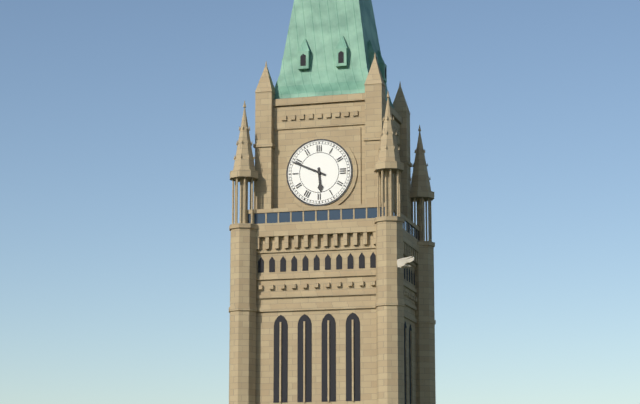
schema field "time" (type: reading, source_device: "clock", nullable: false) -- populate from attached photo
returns 5:49
